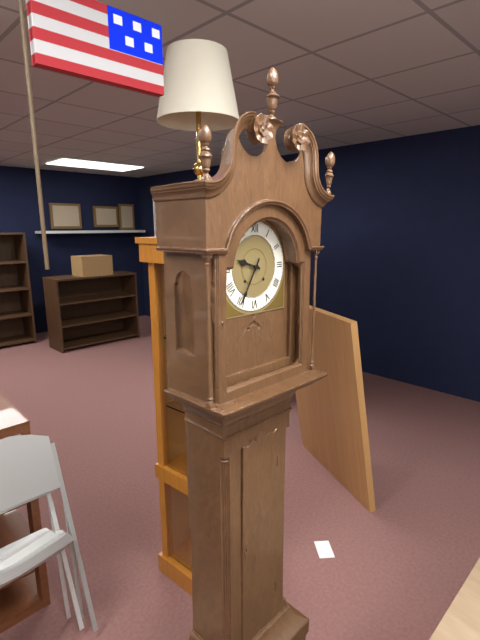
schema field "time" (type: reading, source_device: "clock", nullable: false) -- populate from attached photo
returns 9:35
